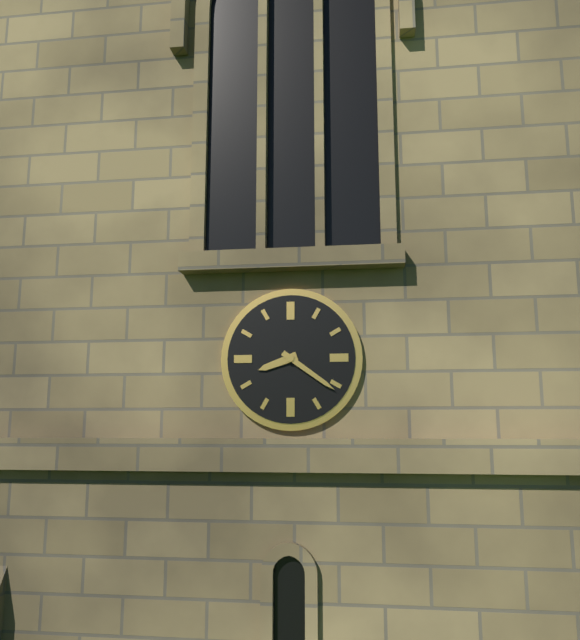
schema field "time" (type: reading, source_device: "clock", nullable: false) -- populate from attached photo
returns 8:21
